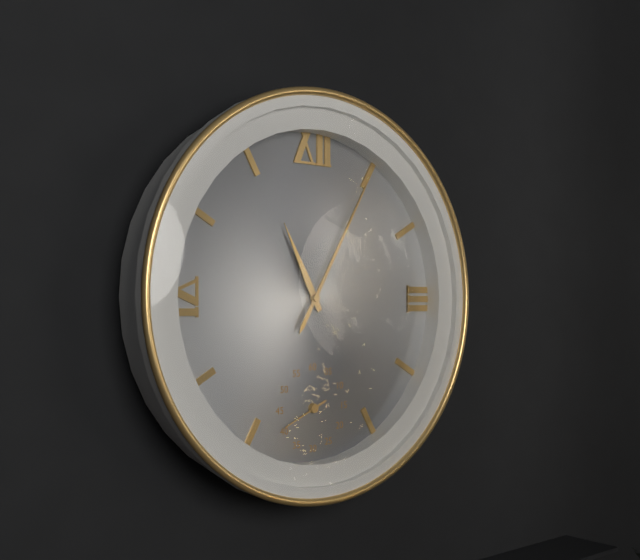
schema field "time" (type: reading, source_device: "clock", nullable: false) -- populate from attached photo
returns 11:05
